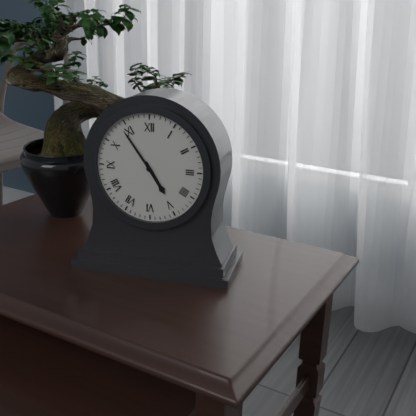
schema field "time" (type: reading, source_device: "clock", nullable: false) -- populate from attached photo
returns 4:54
